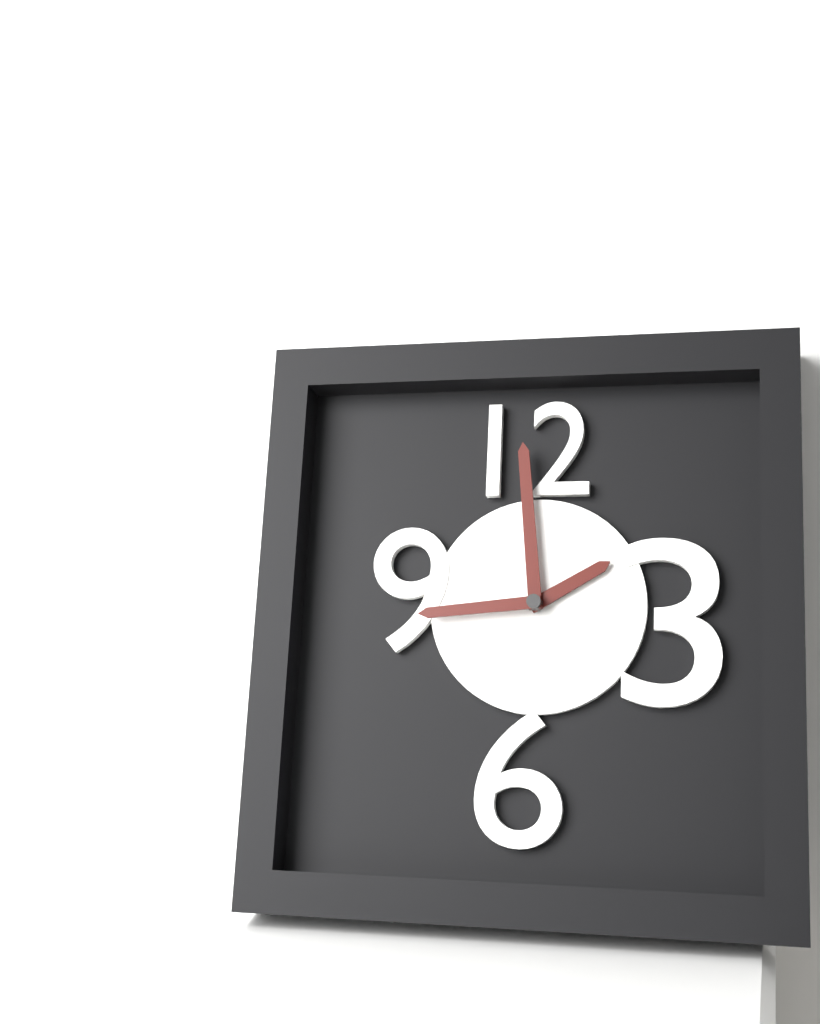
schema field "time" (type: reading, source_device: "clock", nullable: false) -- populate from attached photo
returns 1:59:44
